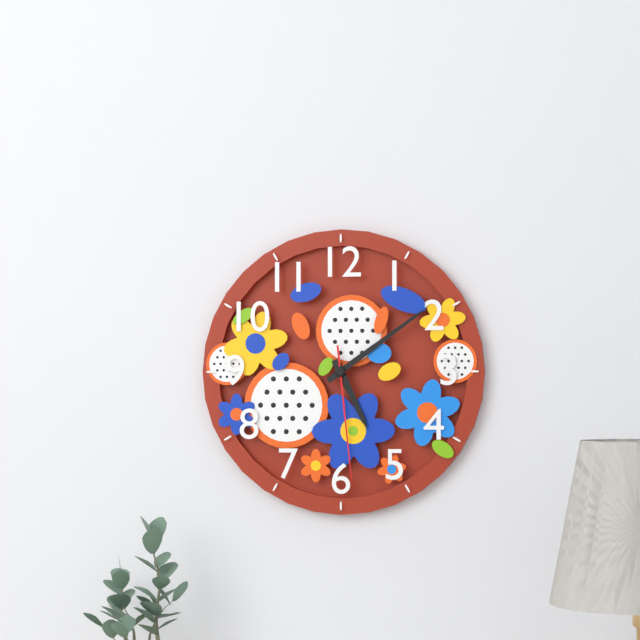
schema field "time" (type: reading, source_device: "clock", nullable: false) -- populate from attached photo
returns 5:09:29
